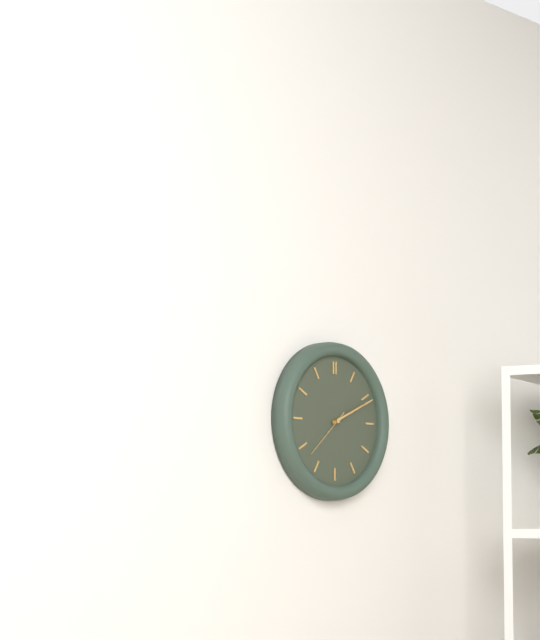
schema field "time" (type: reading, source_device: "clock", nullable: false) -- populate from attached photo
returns 2:11:38
